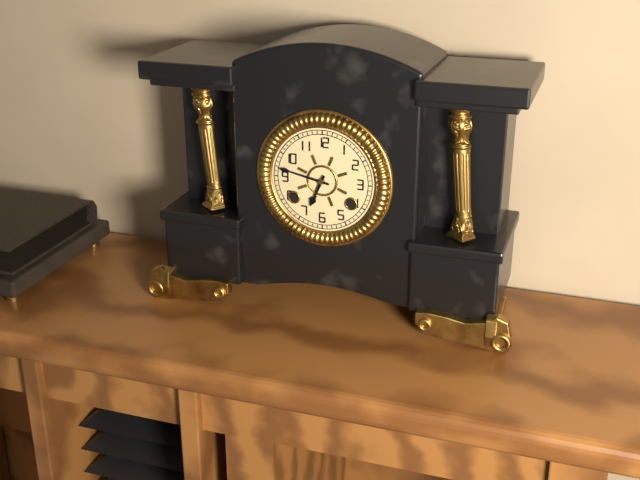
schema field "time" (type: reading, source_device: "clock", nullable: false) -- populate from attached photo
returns 6:47
